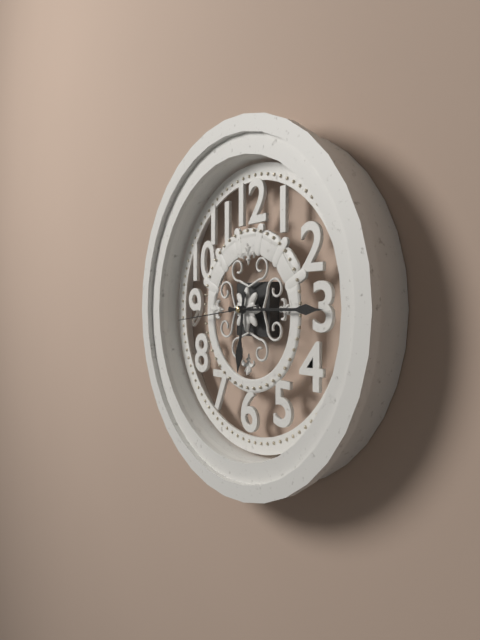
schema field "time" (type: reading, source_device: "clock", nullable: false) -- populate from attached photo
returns 6:15:44
